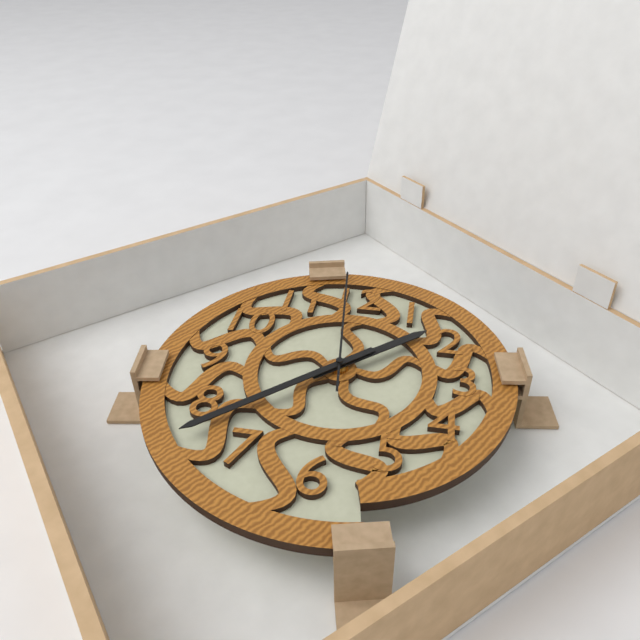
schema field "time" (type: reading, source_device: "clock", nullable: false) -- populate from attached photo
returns 1:38:59
